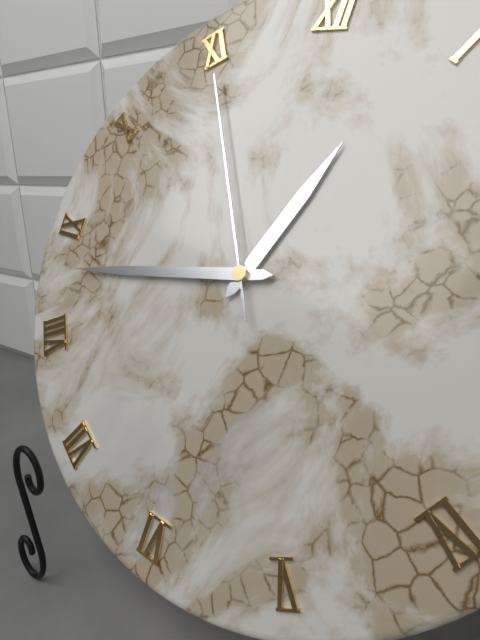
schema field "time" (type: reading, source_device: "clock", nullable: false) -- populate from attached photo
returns 12:43:55
